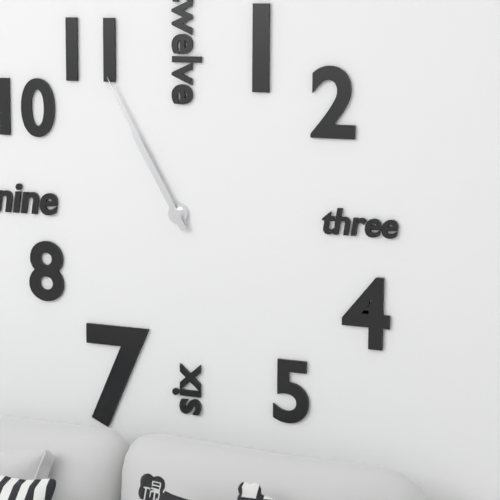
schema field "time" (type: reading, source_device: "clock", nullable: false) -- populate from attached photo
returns 10:55
